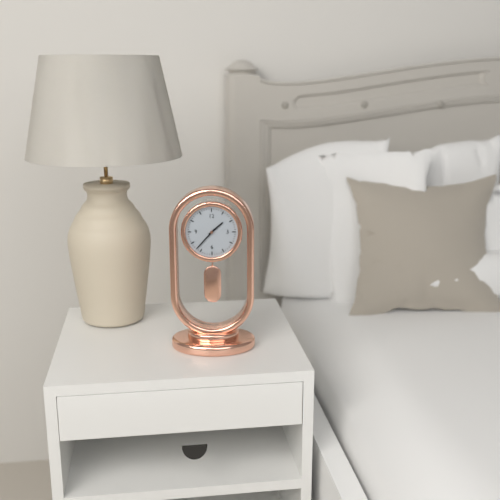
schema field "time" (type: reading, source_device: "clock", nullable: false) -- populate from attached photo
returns 1:37
